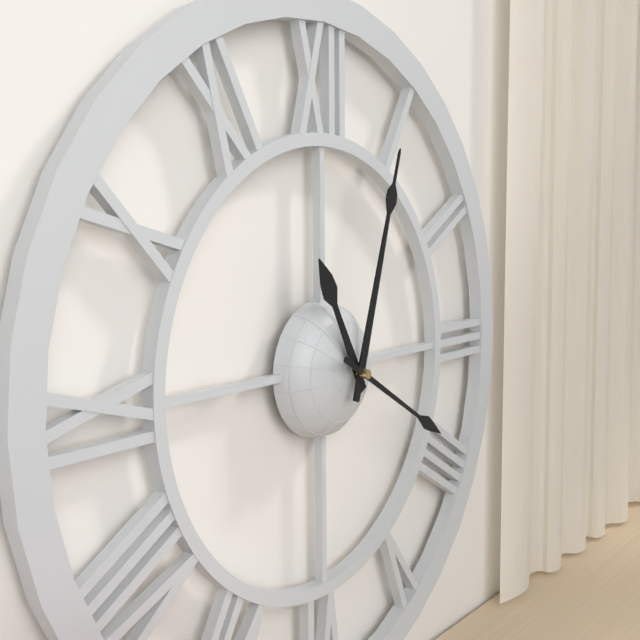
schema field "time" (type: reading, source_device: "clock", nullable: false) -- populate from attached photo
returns 11:03:20
